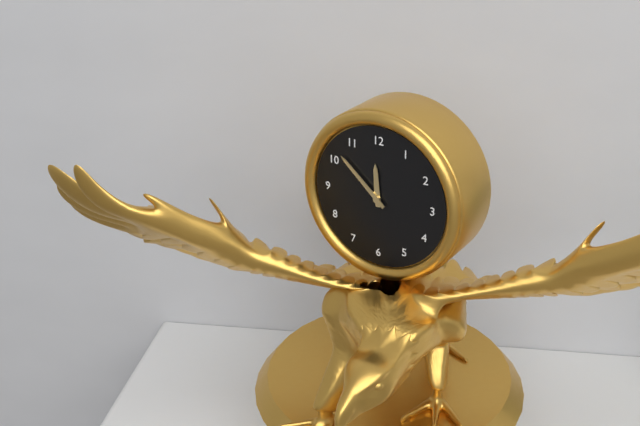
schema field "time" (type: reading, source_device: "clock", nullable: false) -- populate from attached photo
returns 11:52
